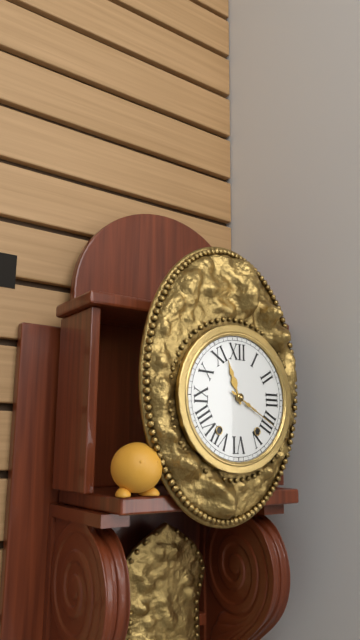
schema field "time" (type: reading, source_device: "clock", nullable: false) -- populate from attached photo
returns 11:20
